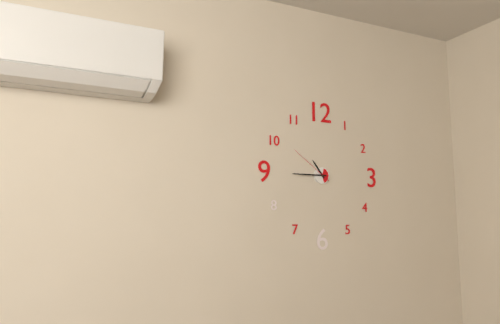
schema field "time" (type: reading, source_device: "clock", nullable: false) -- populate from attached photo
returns 10:45
